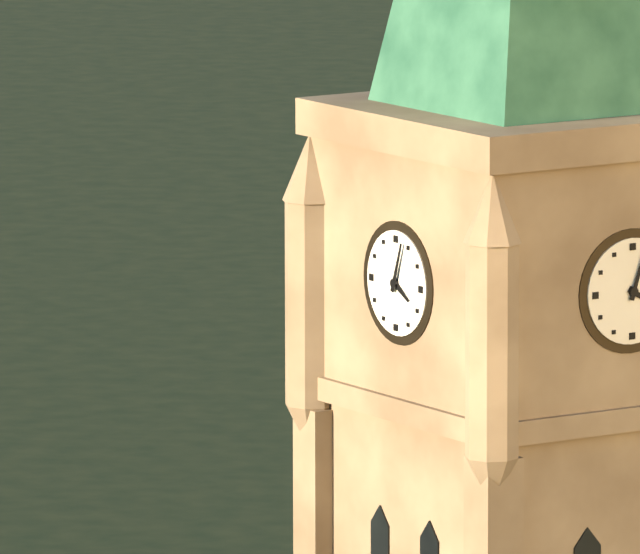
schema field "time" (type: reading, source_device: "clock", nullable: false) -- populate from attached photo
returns 4:03
